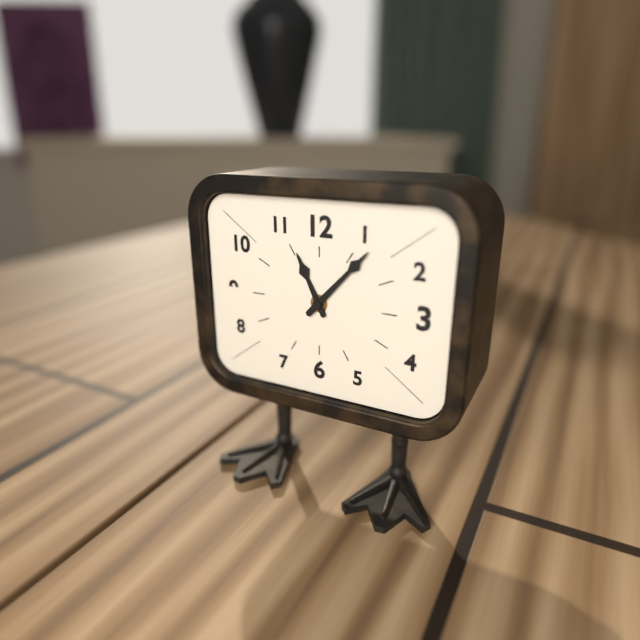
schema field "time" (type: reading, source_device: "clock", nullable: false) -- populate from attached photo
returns 11:07
